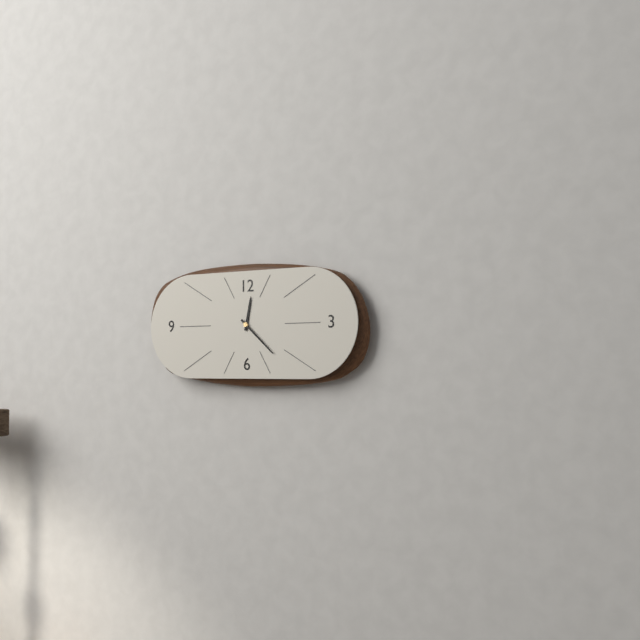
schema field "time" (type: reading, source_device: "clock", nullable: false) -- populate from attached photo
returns 12:22
